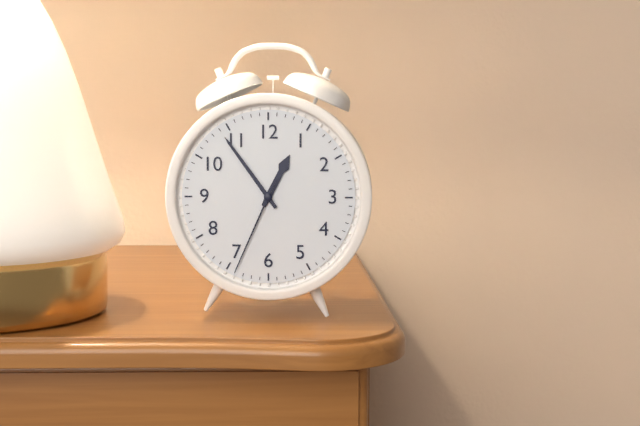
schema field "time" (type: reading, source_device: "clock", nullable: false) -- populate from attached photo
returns 12:54:34
